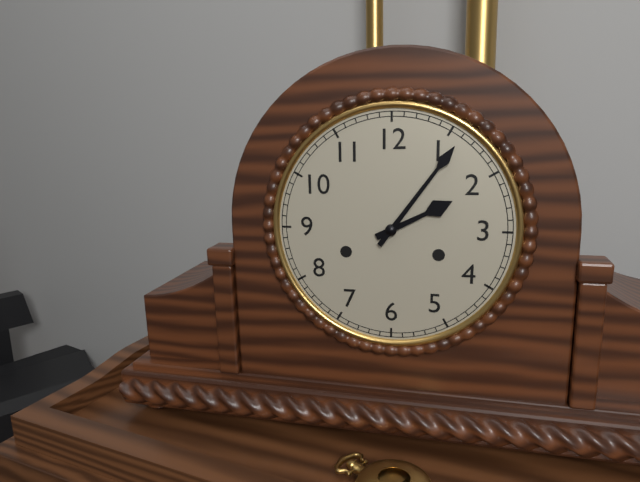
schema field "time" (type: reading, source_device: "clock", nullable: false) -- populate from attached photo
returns 2:06
